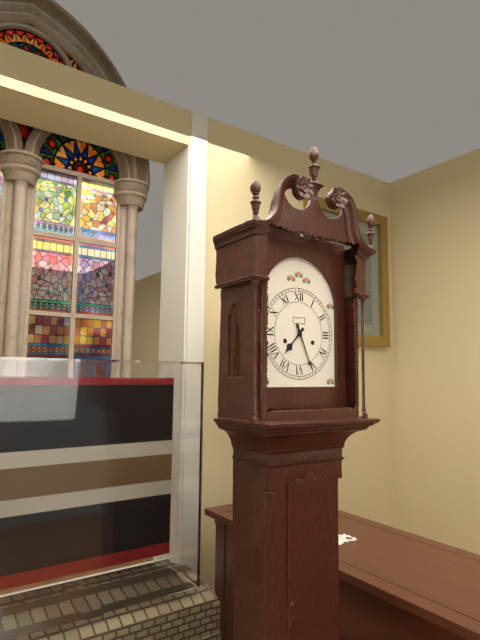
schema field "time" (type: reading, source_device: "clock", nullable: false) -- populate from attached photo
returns 7:26
